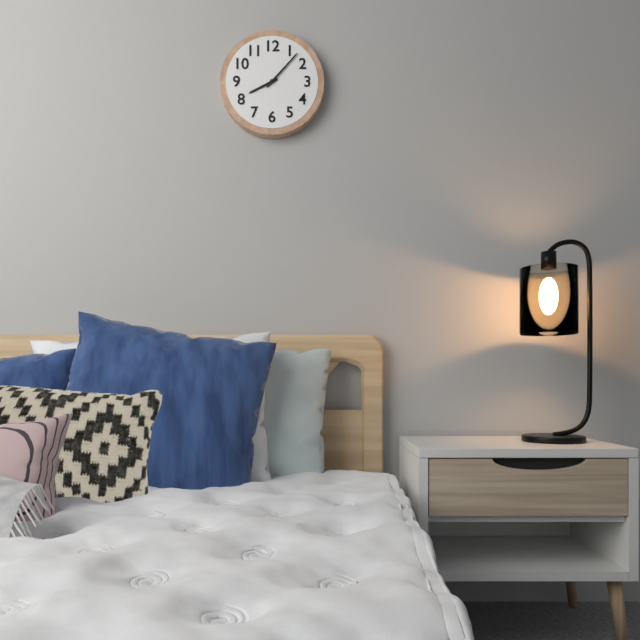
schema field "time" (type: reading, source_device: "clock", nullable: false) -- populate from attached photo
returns 8:07
